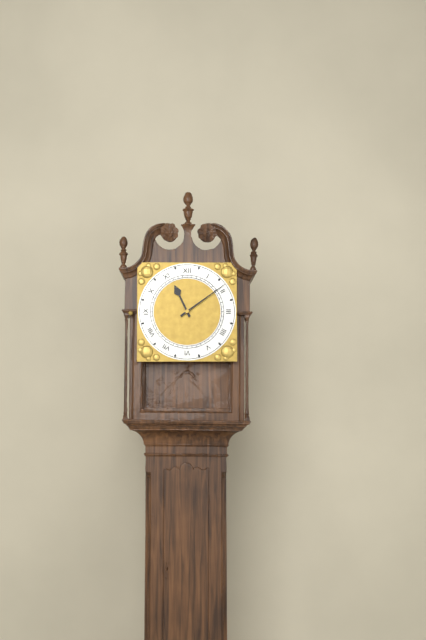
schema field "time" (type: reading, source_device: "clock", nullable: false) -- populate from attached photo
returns 11:09
